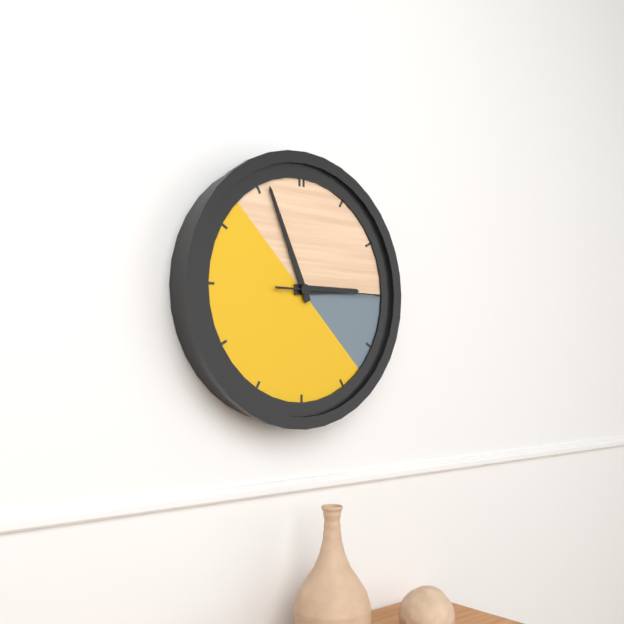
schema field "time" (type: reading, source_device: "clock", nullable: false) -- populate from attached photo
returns 2:56:15
